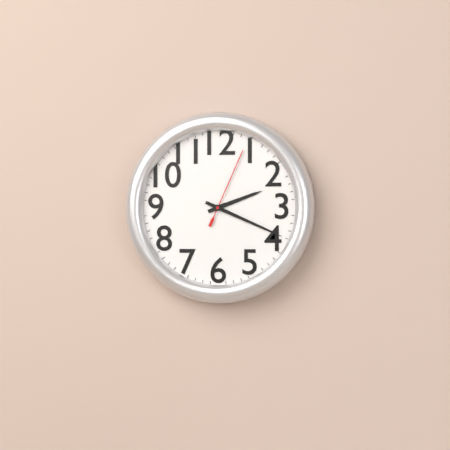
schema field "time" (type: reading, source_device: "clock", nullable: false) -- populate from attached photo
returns 2:19:04
